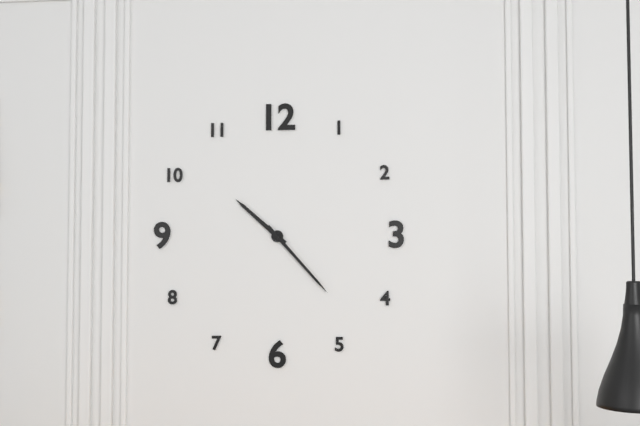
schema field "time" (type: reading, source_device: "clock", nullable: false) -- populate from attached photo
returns 10:23
